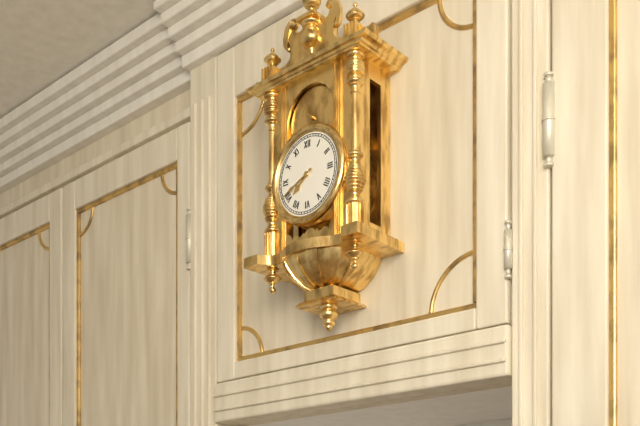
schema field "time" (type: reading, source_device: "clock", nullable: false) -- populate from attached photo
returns 7:41
